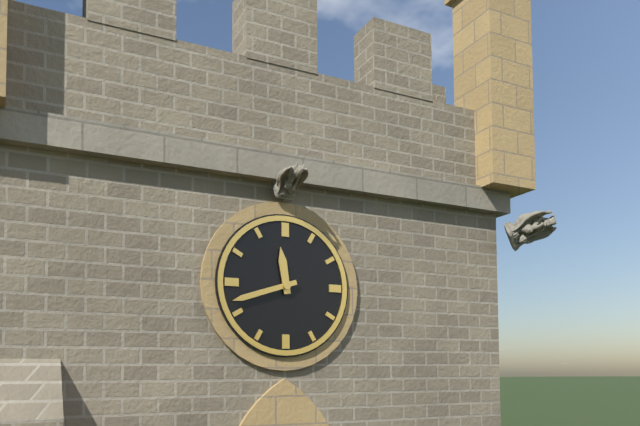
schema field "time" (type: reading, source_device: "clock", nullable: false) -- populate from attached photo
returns 11:42
